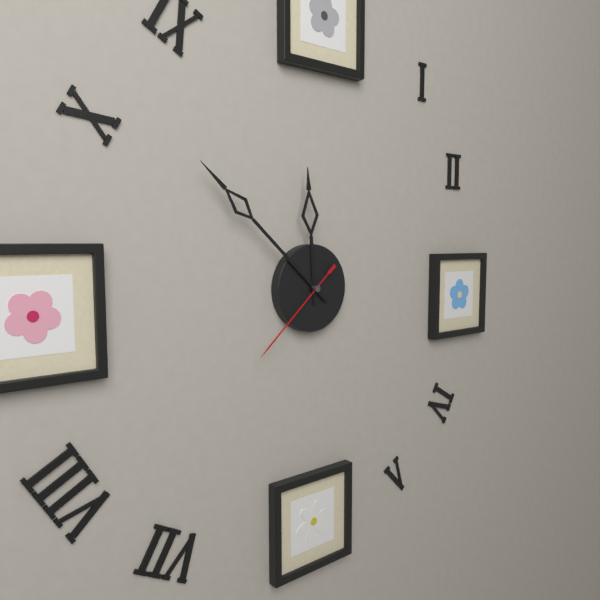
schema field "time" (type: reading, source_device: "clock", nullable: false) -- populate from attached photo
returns 11:52:38
